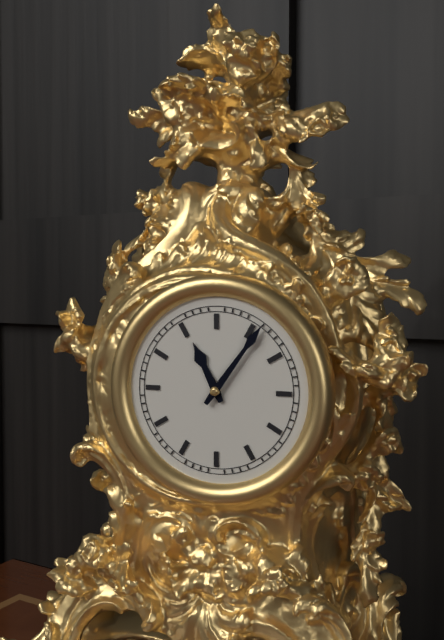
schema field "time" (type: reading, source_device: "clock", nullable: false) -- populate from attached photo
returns 11:06
